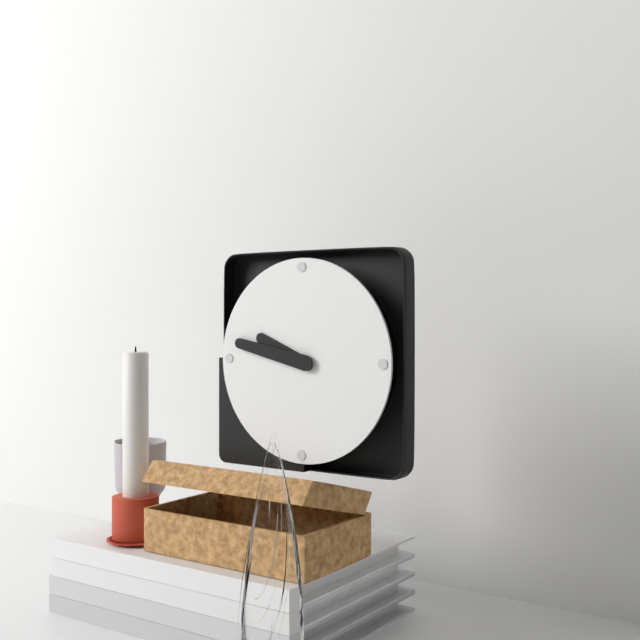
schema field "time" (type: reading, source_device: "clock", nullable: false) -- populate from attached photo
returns 9:47
